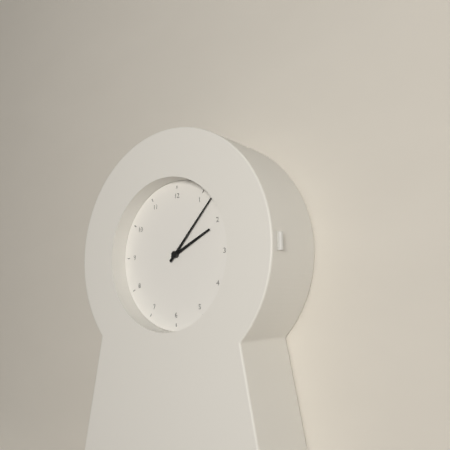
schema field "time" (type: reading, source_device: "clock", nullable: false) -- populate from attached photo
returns 2:07
